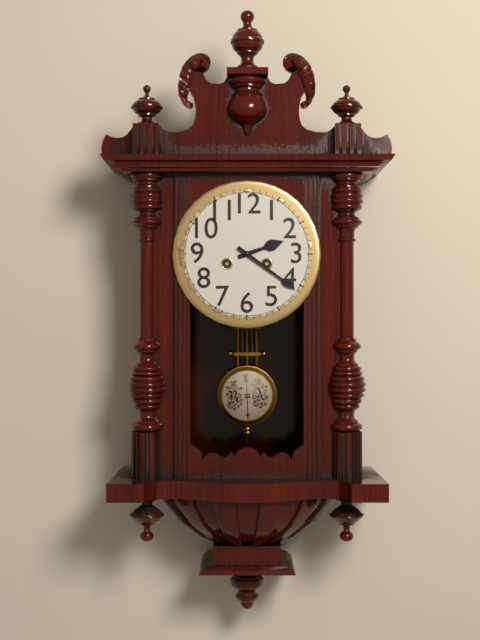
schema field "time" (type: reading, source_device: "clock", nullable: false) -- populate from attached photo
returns 2:21
